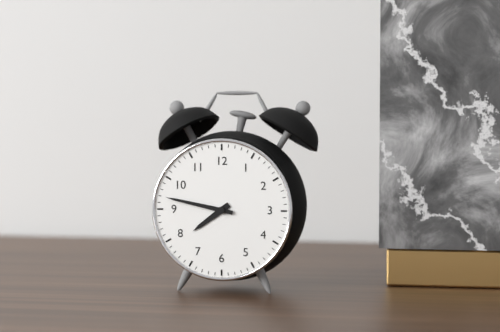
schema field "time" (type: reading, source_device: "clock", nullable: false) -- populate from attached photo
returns 7:47
